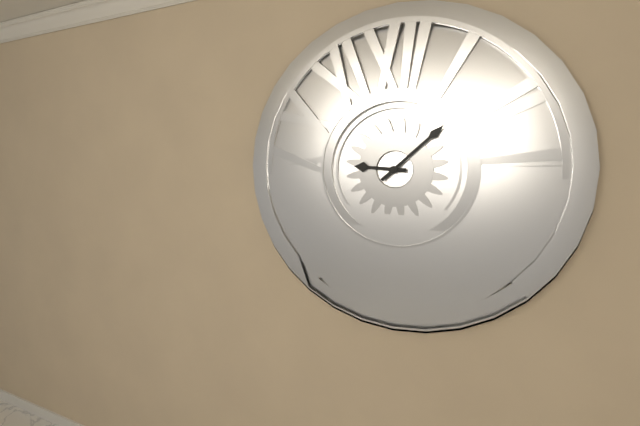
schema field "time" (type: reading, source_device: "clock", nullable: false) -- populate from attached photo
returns 9:08
